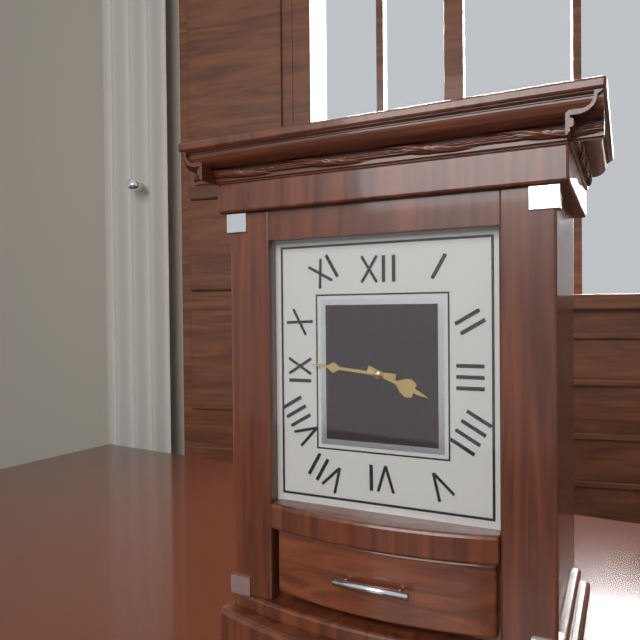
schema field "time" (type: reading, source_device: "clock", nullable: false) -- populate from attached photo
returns 3:46
